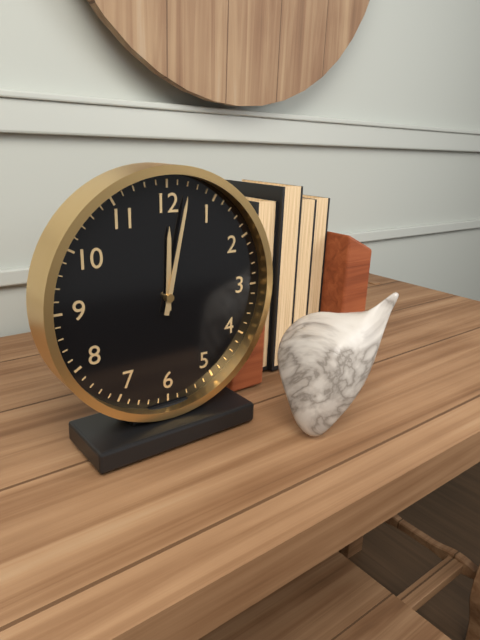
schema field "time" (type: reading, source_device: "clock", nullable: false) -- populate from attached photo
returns 12:02
